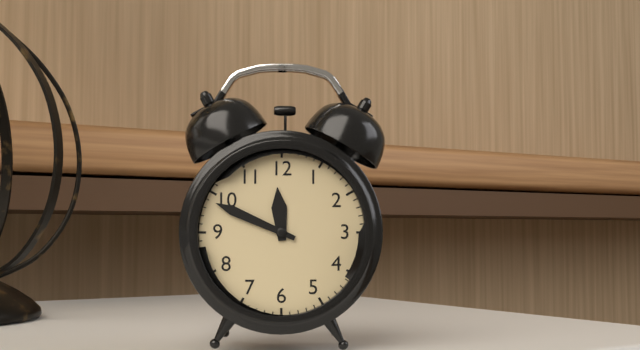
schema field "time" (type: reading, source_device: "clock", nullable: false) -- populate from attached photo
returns 11:49
